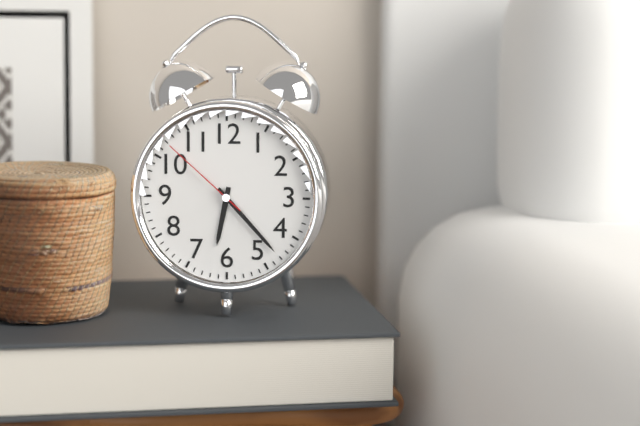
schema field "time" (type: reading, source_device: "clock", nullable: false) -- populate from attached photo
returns 6:23:52
